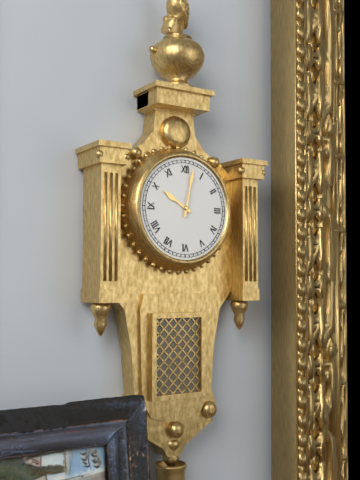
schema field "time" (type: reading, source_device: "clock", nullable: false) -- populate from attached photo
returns 10:02
